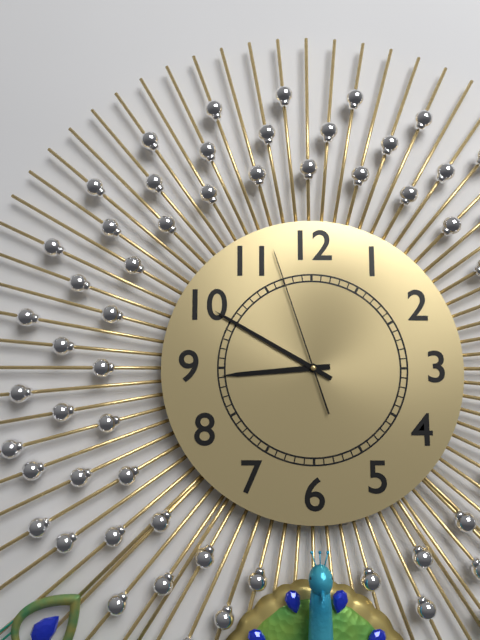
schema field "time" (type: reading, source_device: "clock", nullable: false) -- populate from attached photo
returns 8:50:57
